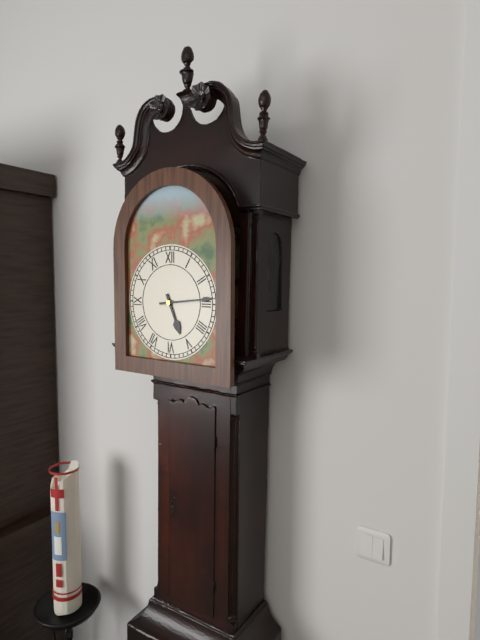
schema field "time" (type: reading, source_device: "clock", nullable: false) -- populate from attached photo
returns 5:14
